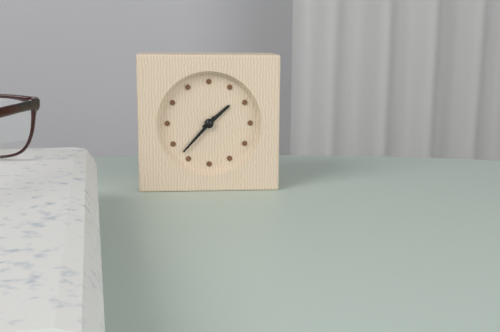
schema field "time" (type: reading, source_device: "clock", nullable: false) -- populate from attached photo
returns 1:37
